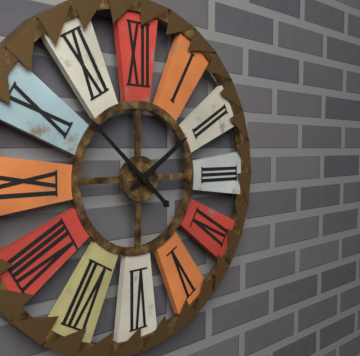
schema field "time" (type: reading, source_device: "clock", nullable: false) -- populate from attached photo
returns 1:52
